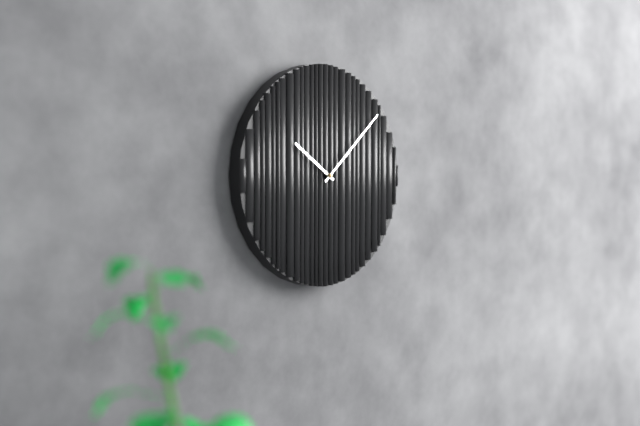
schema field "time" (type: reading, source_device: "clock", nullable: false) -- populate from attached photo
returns 10:08
